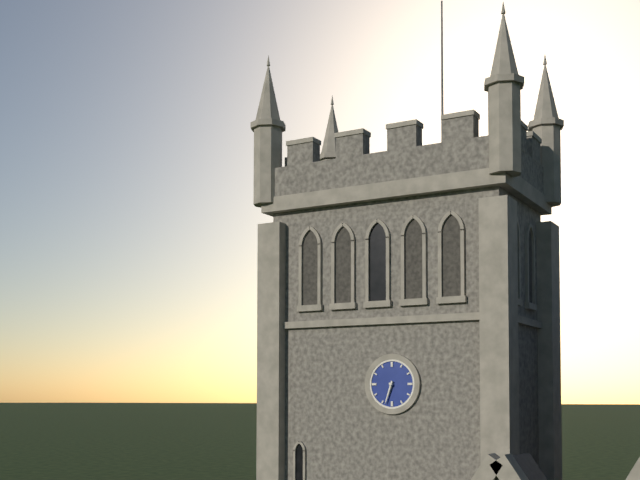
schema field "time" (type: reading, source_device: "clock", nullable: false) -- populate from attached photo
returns 6:33
